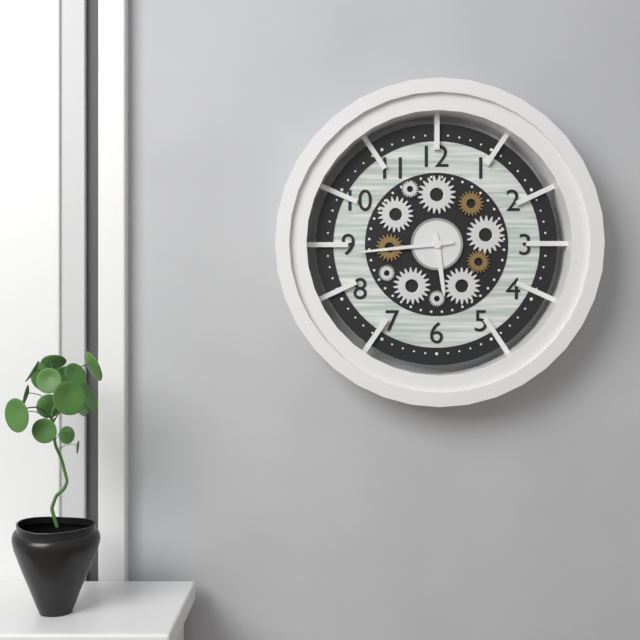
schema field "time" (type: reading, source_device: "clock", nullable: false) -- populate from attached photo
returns 5:44
